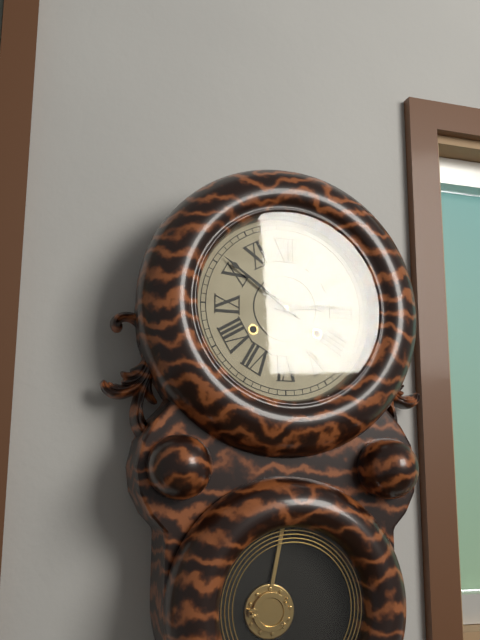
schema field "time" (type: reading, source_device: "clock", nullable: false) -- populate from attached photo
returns 2:51
